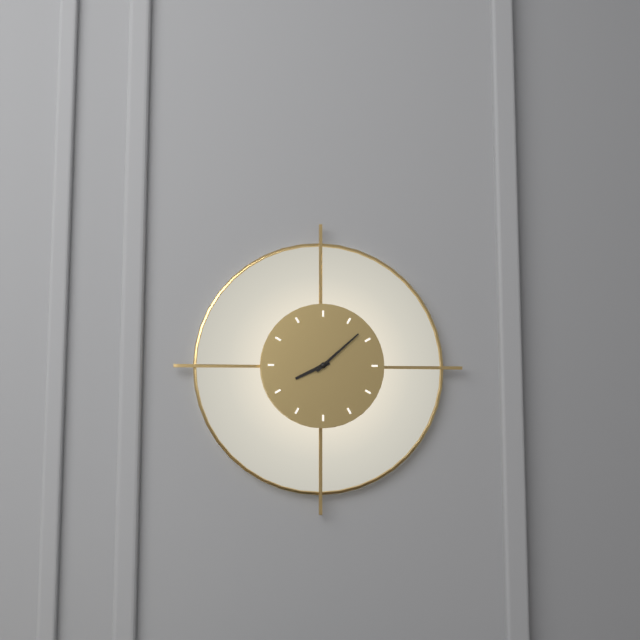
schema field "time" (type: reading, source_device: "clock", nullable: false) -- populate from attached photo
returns 8:08
